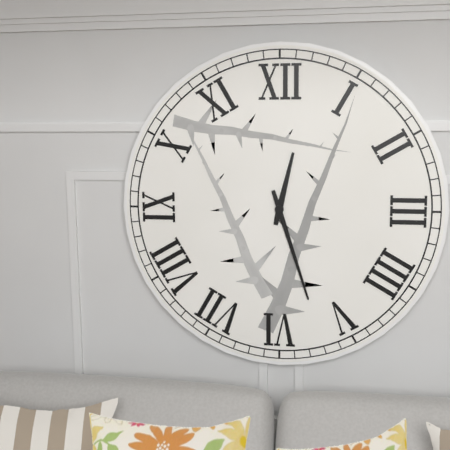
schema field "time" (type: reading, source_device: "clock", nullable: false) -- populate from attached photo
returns 12:27
